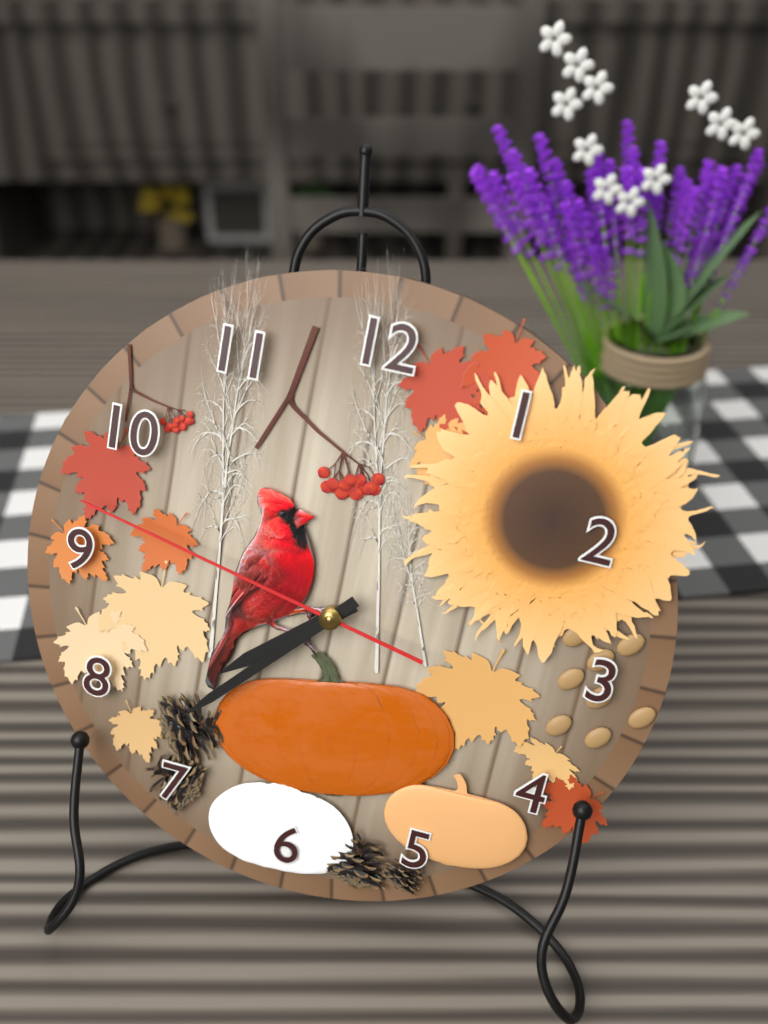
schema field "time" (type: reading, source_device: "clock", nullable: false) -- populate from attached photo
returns 7:37:47
